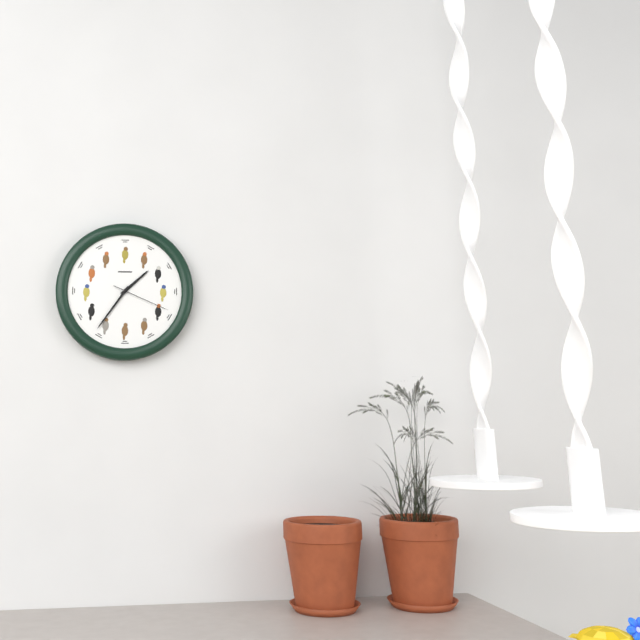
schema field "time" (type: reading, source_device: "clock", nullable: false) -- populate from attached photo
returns 1:36:19
